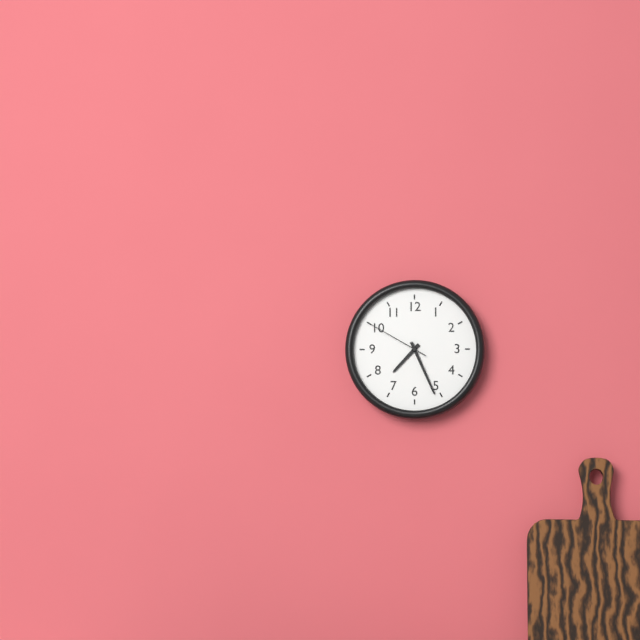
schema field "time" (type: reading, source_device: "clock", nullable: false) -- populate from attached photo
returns 7:26:50
